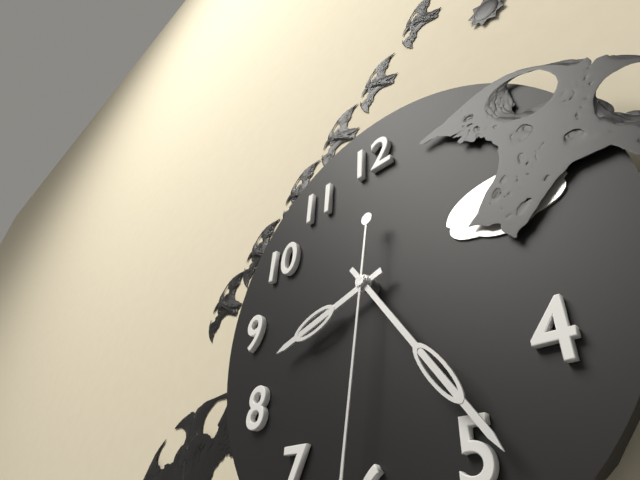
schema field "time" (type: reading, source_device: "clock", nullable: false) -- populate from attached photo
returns 8:24
